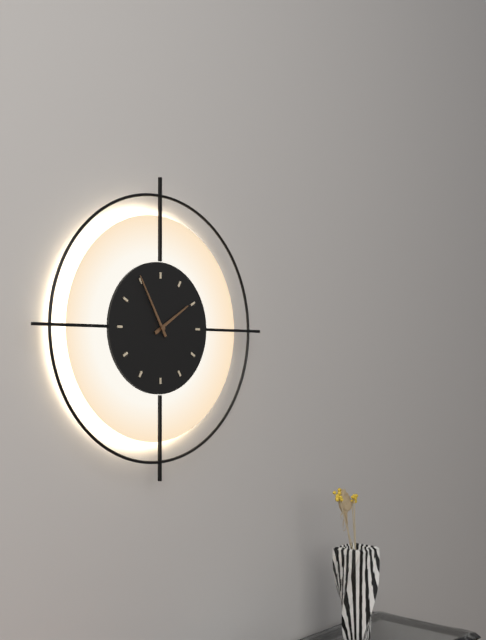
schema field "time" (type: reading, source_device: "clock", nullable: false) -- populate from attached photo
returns 1:55
